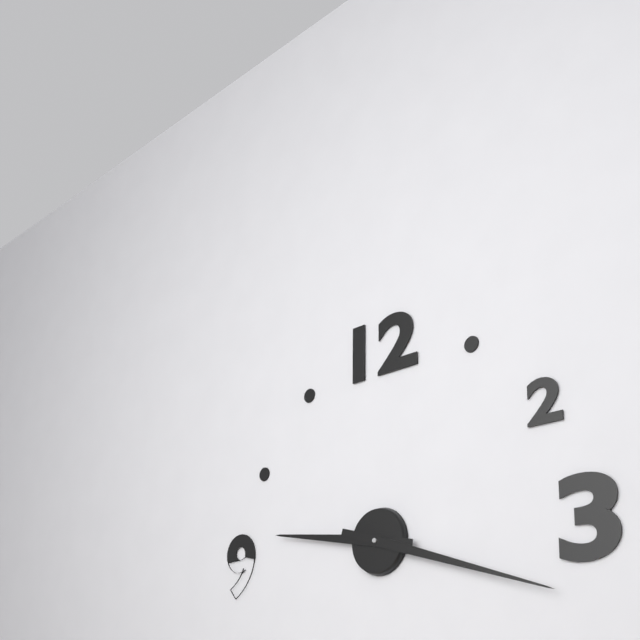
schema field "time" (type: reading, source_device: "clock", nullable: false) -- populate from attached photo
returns 9:18
